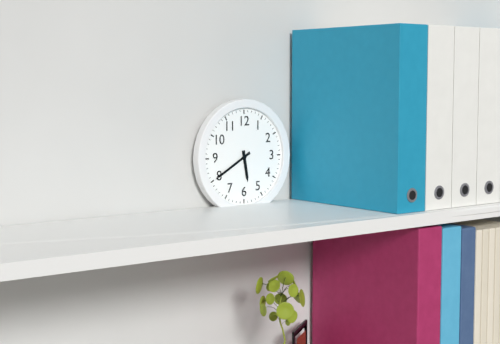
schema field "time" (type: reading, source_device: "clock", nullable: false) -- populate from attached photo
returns 5:40
